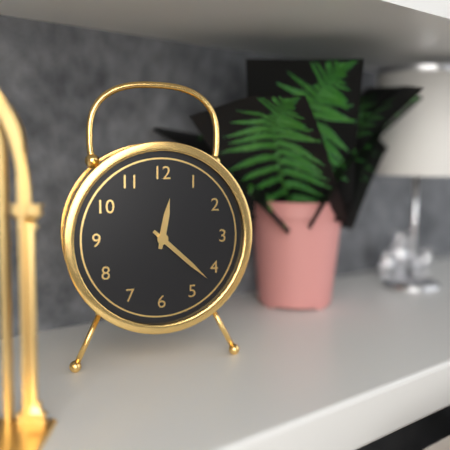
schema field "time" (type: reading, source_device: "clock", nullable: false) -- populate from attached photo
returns 12:22
